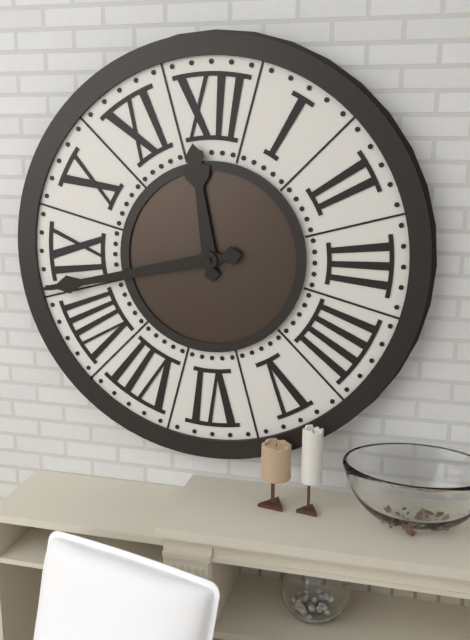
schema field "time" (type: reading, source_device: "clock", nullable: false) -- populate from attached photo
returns 11:43
